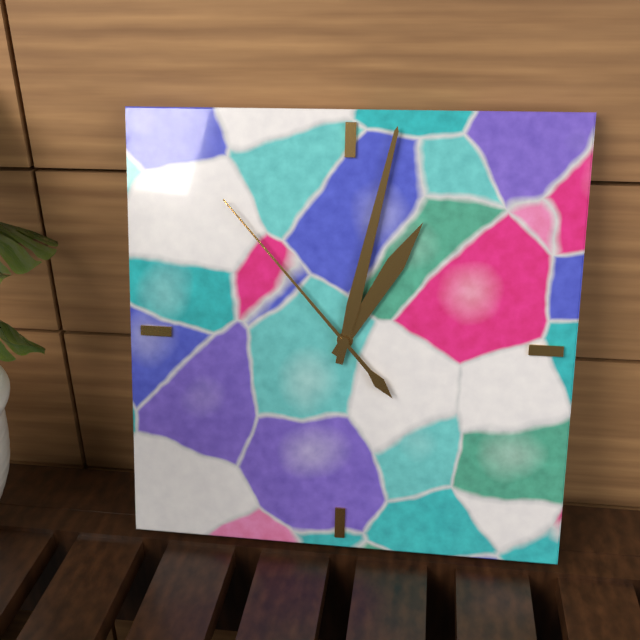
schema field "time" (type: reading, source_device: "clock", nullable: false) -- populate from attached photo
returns 1:02:53
